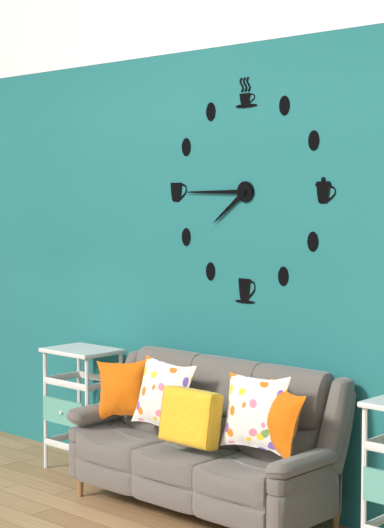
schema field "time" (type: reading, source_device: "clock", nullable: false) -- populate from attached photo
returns 7:45
